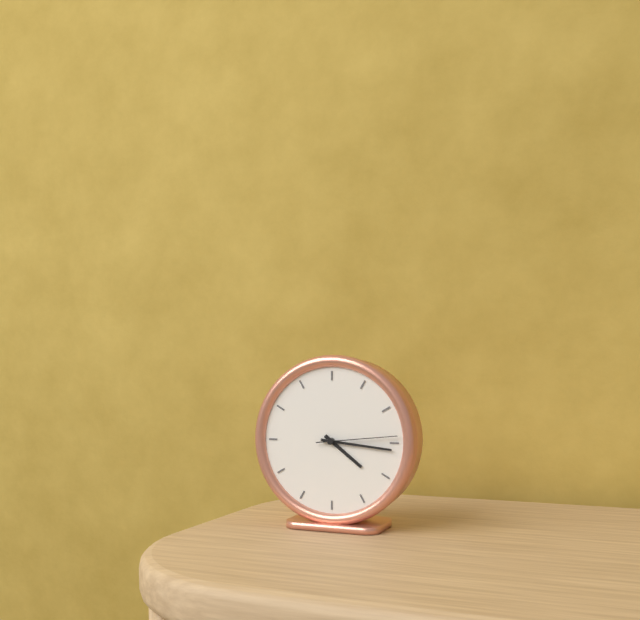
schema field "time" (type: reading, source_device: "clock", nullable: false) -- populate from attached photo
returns 4:16:14
